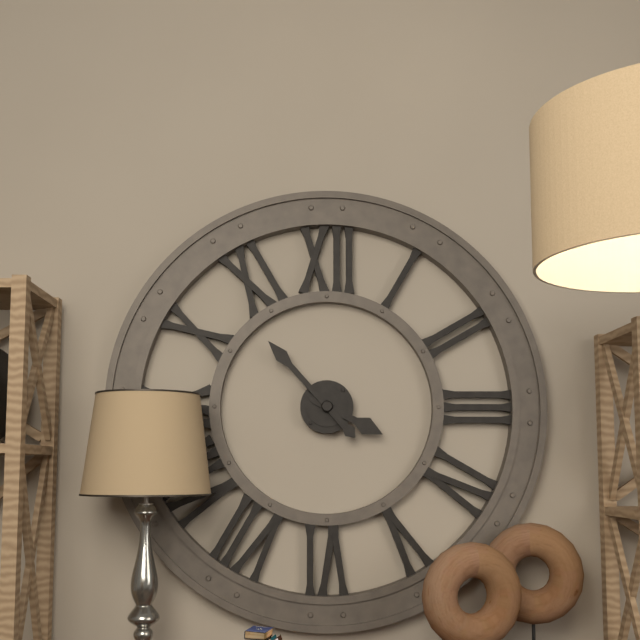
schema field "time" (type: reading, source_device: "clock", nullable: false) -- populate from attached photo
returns 3:53
